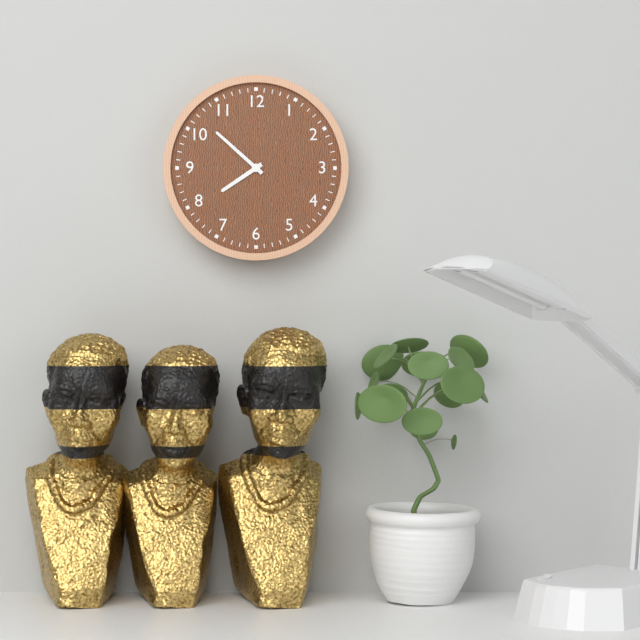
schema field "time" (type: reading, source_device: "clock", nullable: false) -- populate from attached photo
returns 7:52
